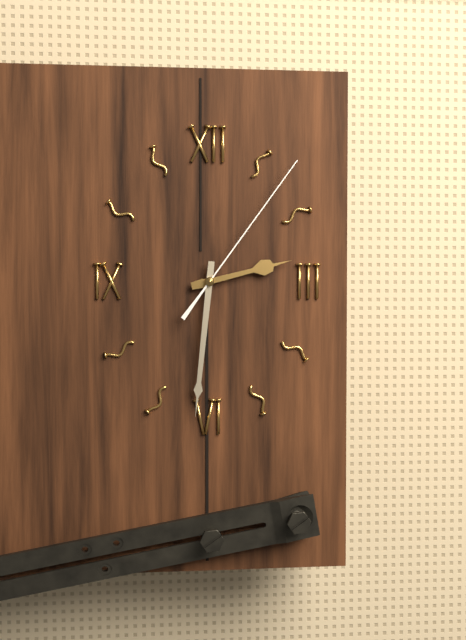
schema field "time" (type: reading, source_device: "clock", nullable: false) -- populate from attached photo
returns 2:31:06
